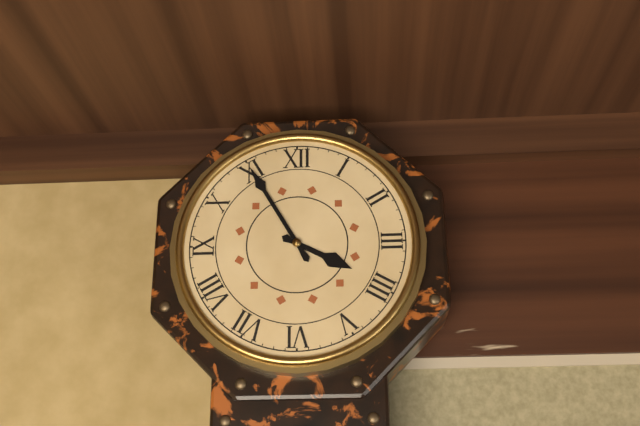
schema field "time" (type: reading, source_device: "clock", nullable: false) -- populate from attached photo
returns 3:55
